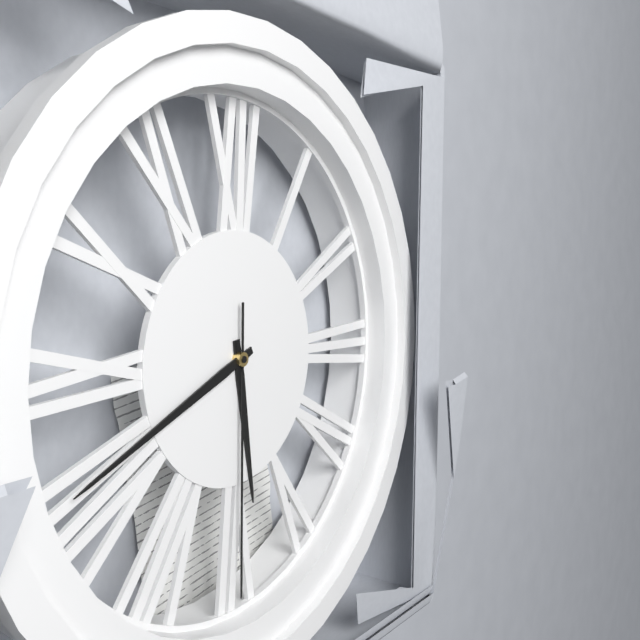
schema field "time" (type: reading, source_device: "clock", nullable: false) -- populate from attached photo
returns 5:41:30
